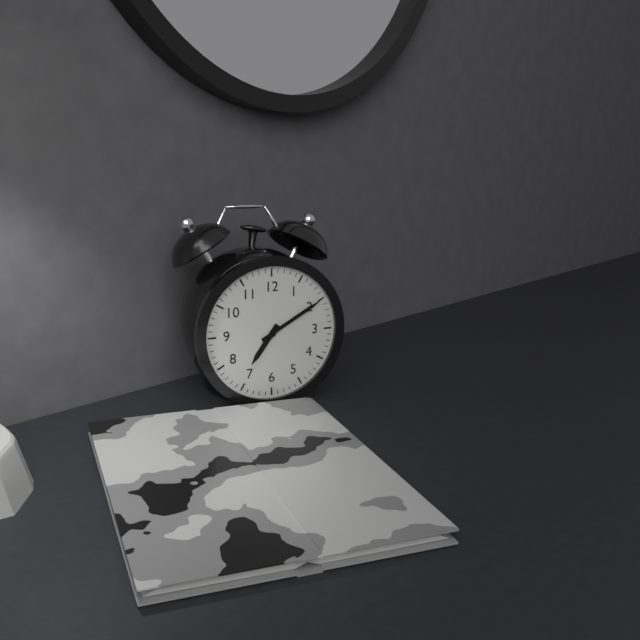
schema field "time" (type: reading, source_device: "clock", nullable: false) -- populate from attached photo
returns 7:10
